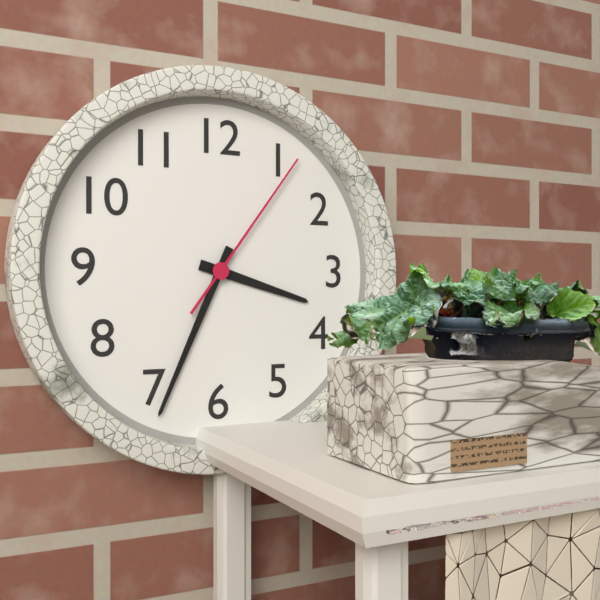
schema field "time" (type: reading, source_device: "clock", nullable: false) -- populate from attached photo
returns 3:34:06
